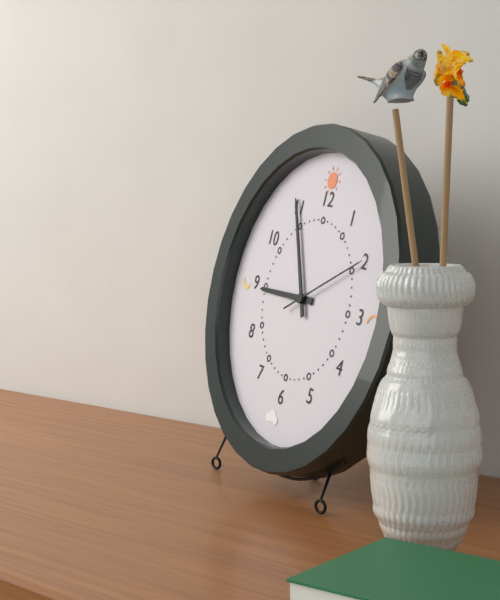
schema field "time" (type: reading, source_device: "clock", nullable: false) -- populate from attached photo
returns 8:55:10
